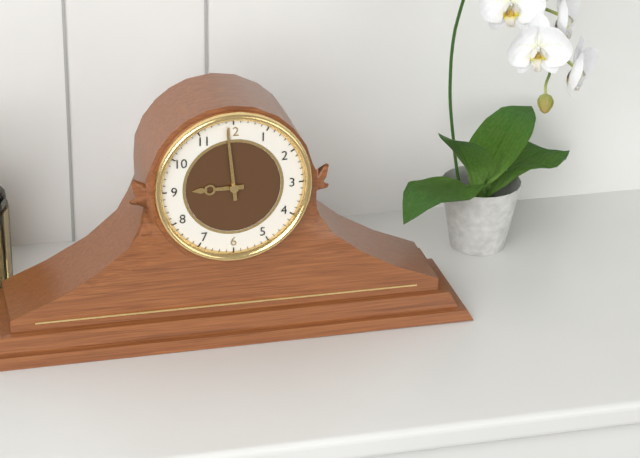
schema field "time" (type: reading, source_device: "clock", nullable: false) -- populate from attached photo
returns 8:59
